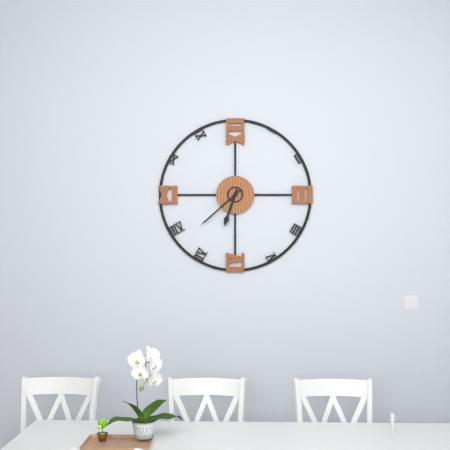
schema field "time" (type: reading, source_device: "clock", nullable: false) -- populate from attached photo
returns 6:38
